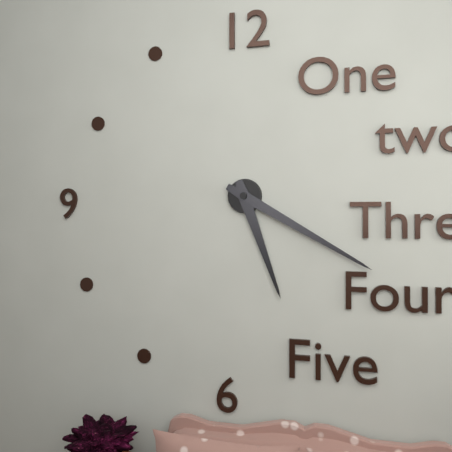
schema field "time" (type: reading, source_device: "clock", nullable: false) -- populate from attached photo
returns 5:20
